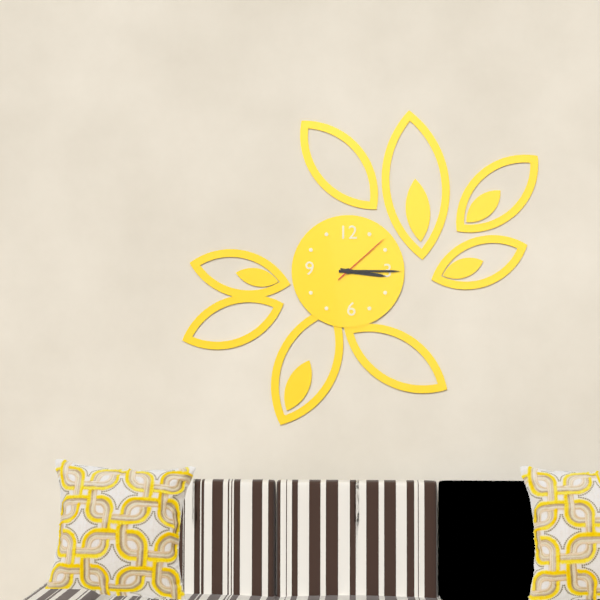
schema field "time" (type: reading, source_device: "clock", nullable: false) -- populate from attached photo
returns 3:15:08
